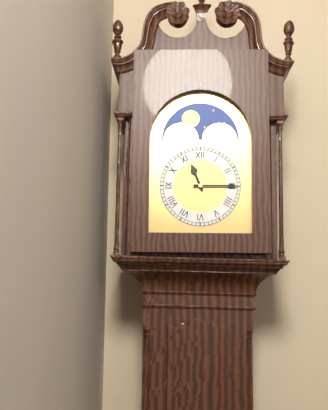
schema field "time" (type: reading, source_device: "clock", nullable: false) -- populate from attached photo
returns 11:15
